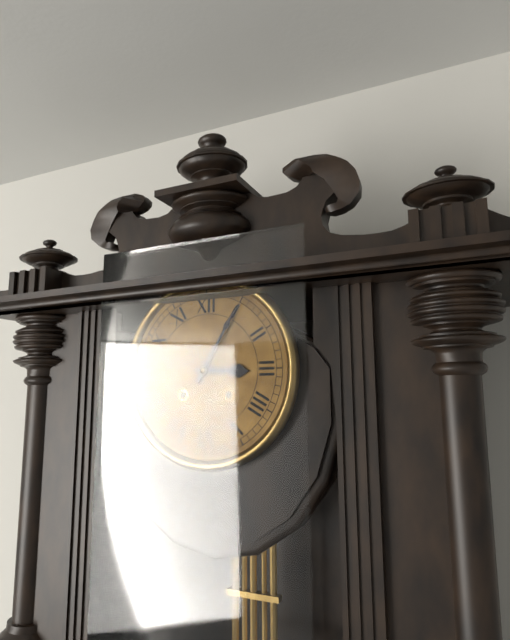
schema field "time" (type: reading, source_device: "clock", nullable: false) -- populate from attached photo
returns 3:05
